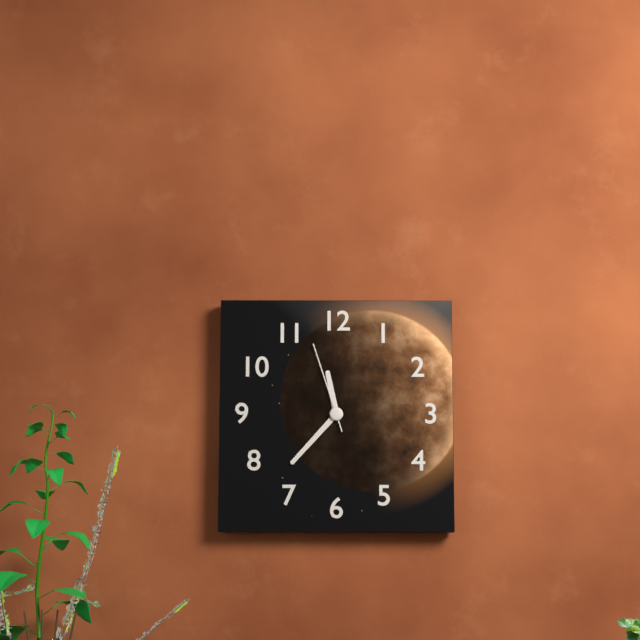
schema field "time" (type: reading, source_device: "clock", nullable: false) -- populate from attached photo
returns 11:37:57
